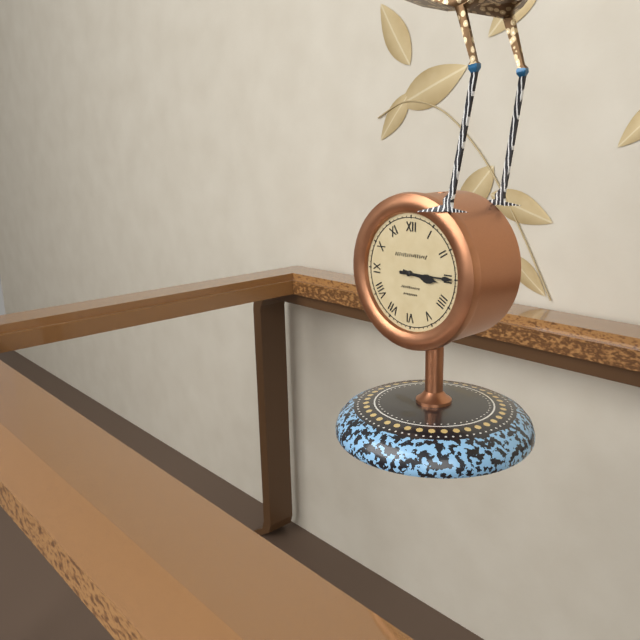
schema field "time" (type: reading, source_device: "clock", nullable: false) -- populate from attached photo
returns 3:15
